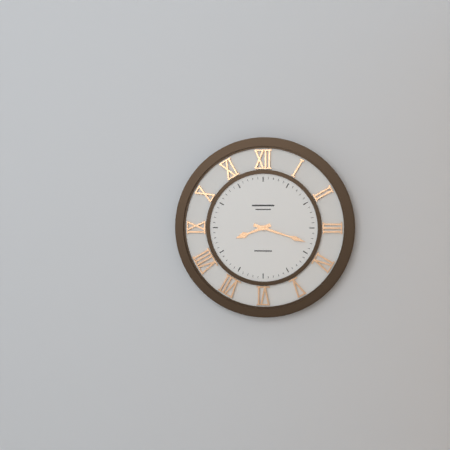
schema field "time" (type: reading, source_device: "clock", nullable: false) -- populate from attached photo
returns 8:18
